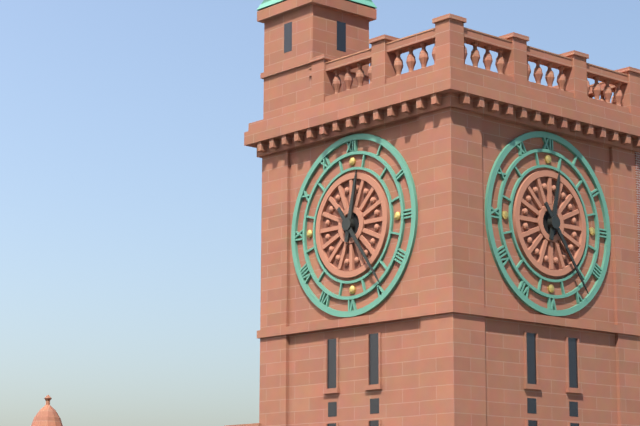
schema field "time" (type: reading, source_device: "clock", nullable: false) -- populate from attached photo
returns 12:24
